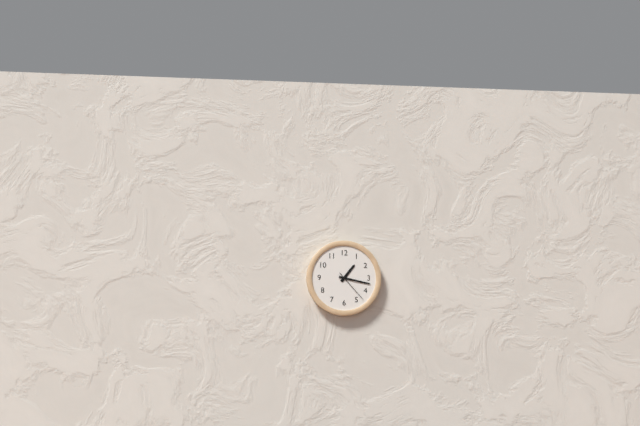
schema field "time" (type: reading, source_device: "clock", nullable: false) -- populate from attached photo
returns 1:17
